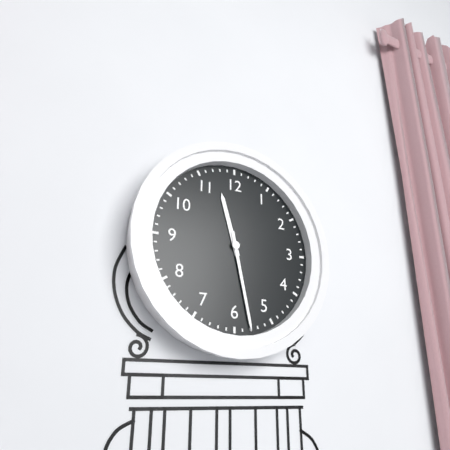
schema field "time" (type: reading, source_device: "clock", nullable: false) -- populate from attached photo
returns 11:28
